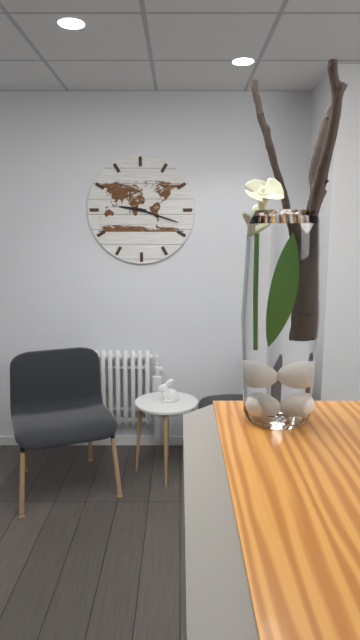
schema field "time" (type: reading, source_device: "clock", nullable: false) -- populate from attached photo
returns 9:18
